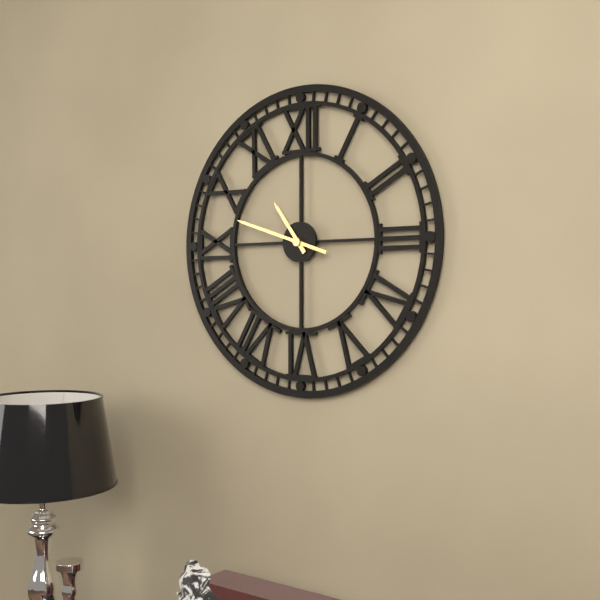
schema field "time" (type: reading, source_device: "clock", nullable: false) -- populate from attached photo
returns 10:48
